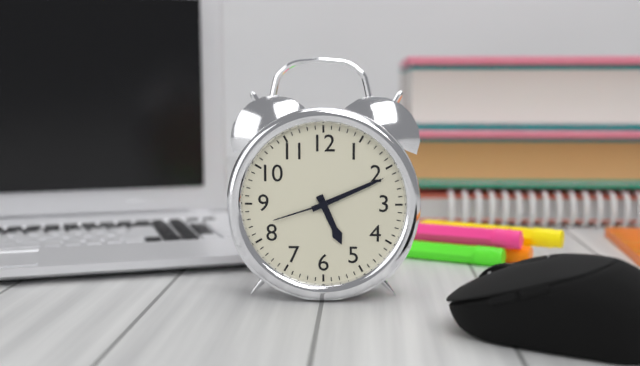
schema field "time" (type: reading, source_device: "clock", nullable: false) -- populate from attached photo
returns 5:11:42
